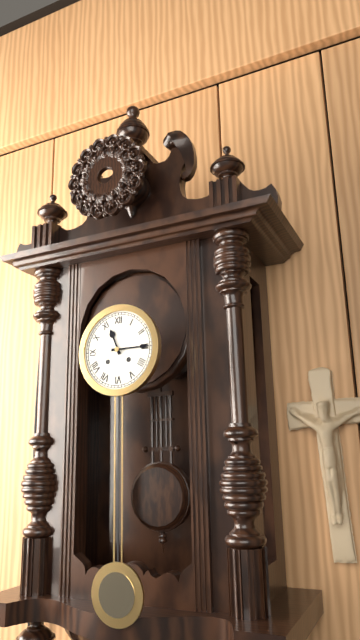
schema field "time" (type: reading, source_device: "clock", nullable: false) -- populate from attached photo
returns 11:15
